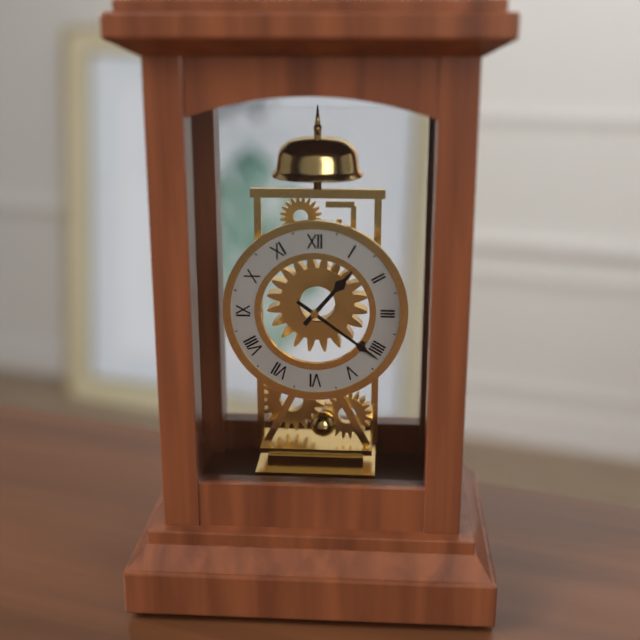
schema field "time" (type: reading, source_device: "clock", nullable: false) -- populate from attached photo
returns 1:21
